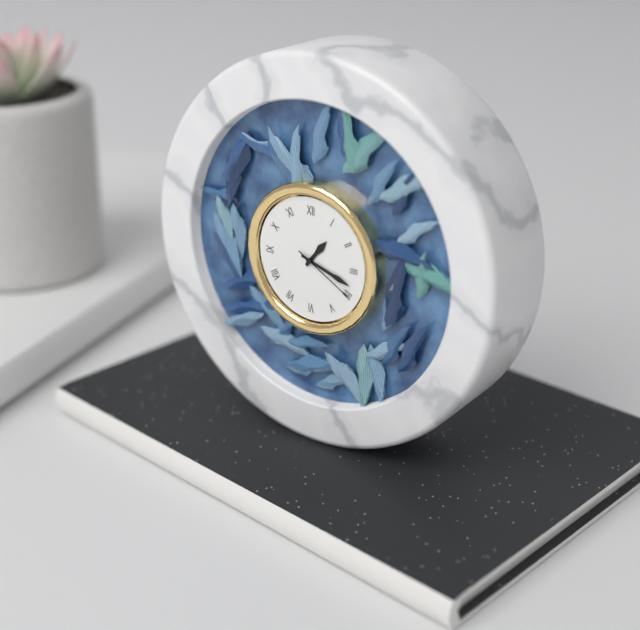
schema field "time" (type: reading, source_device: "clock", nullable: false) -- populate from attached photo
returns 1:18:20
